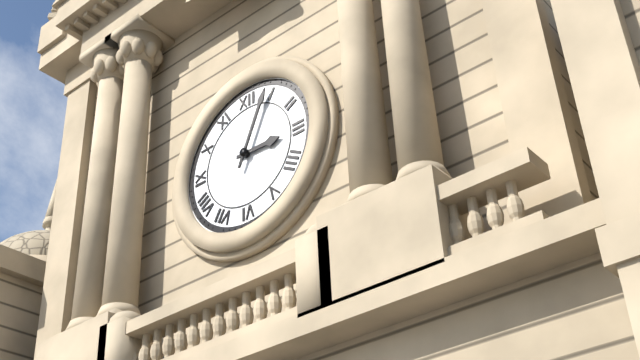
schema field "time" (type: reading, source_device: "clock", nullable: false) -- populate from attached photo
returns 3:04
